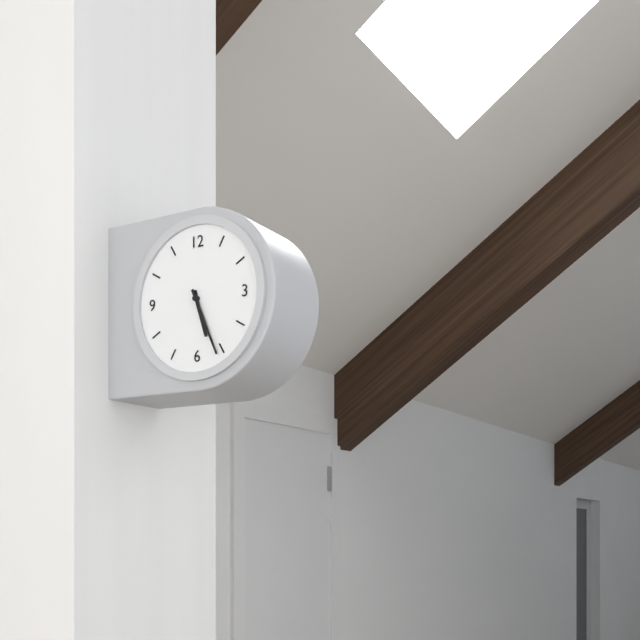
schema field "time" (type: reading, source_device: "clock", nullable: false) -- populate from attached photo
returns 5:26
